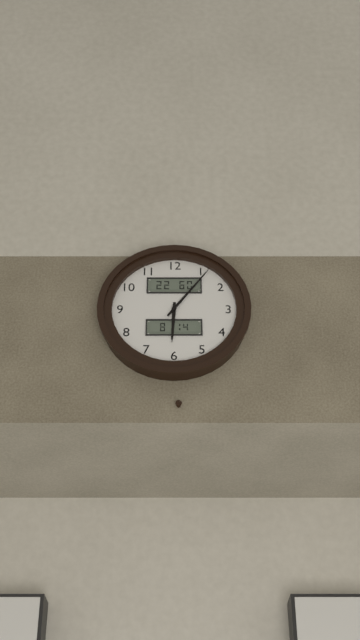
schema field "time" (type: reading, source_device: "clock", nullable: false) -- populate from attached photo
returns 6:06
